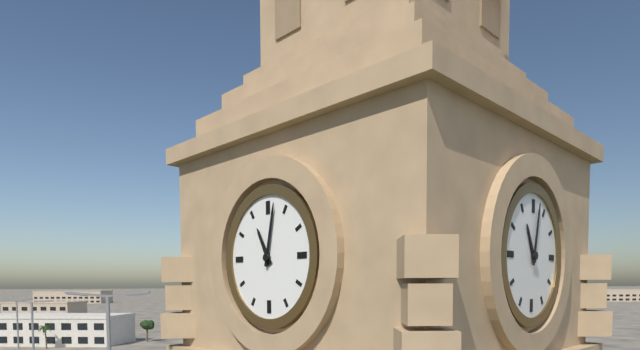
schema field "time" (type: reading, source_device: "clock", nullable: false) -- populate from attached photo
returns 11:02
